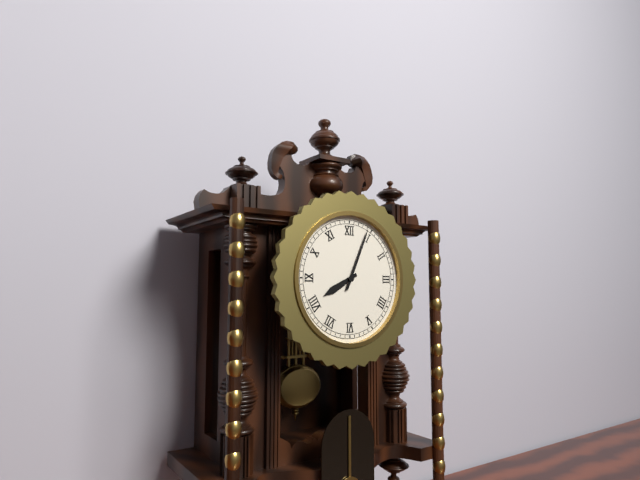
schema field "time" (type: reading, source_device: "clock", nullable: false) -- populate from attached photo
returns 8:04
